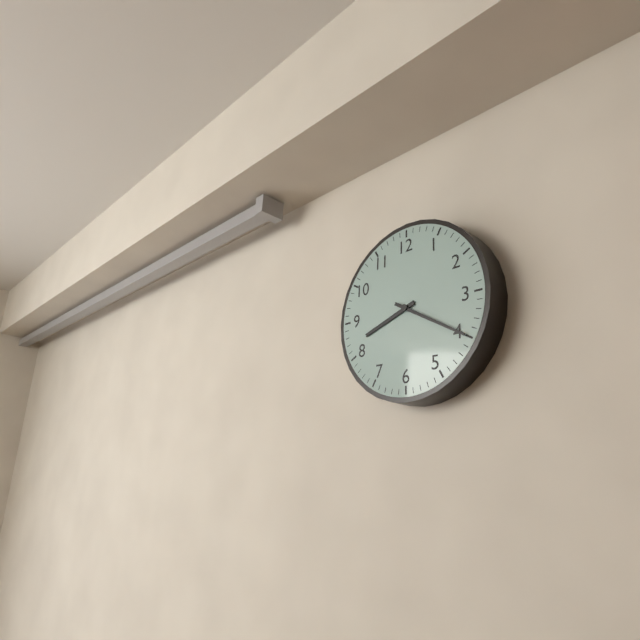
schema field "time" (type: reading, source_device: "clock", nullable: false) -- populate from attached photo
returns 8:20
